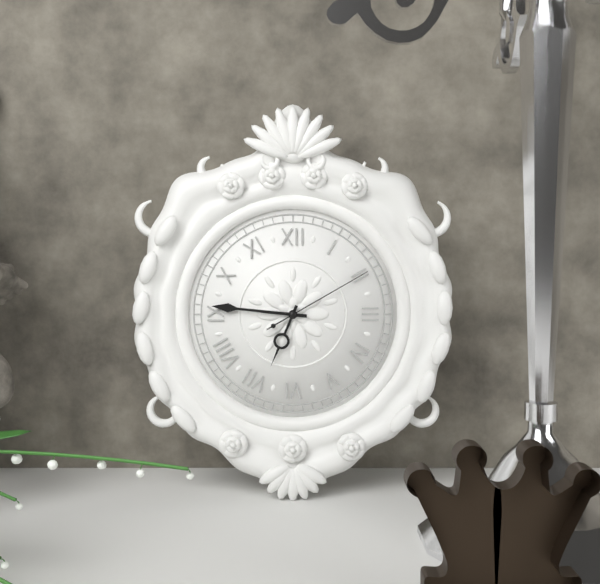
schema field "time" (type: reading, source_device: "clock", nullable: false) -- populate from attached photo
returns 6:46:10
